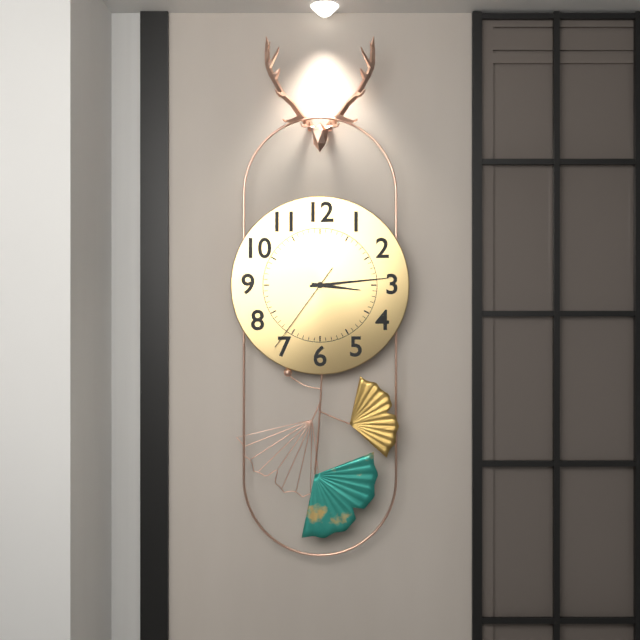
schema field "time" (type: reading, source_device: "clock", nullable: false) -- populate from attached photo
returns 3:14:36
